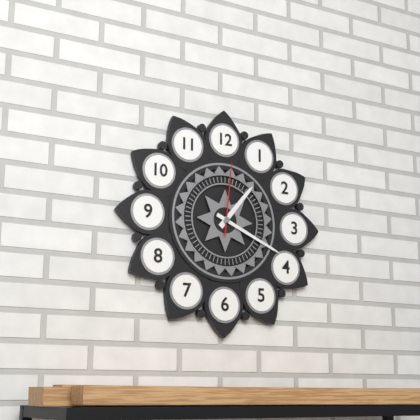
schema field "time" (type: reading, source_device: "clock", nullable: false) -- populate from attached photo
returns 1:19:01
